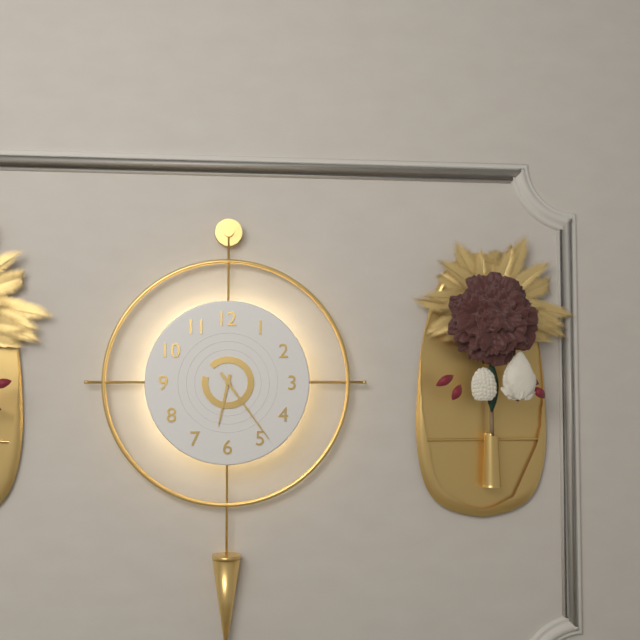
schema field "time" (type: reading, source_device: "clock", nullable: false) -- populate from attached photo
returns 6:24
